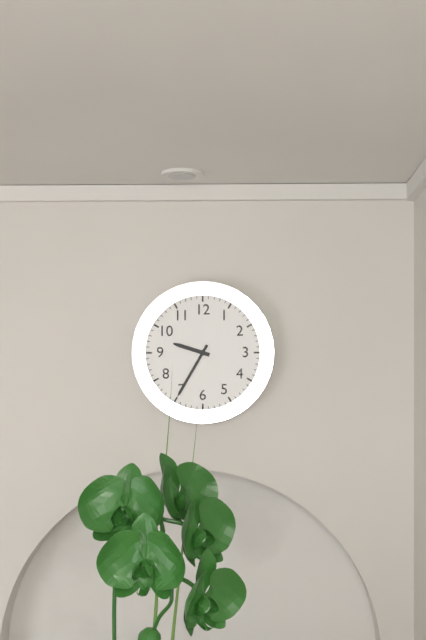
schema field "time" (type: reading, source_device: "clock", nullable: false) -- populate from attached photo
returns 9:35
